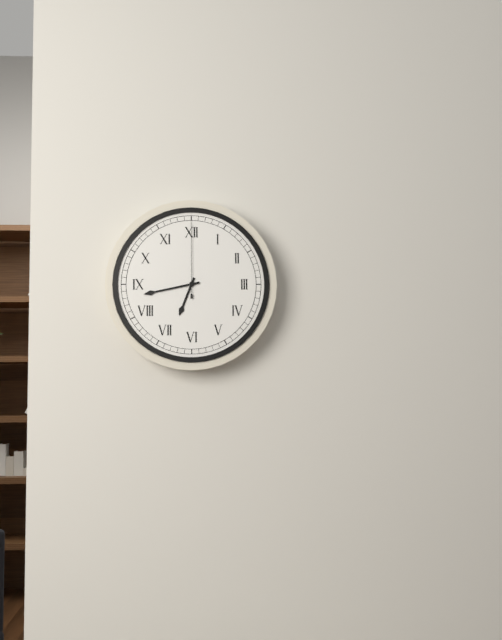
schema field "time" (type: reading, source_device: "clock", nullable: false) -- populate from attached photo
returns 6:43:00
